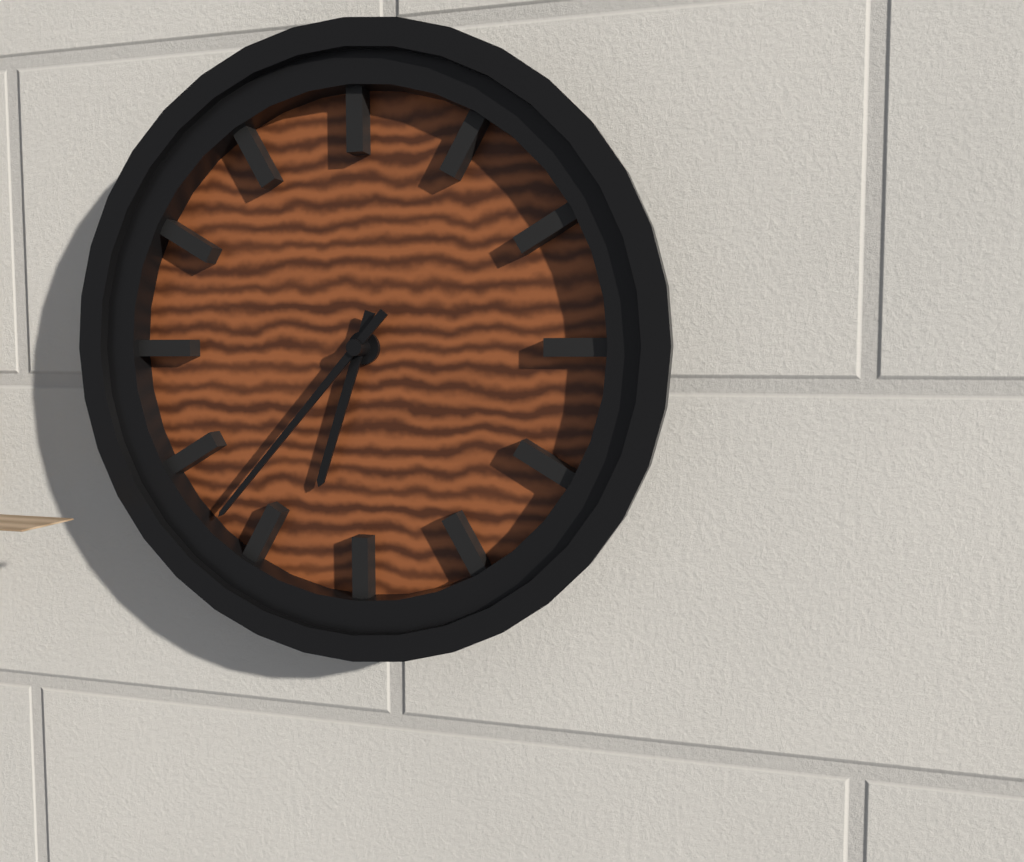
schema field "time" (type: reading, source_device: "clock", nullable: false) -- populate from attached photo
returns 6:37
